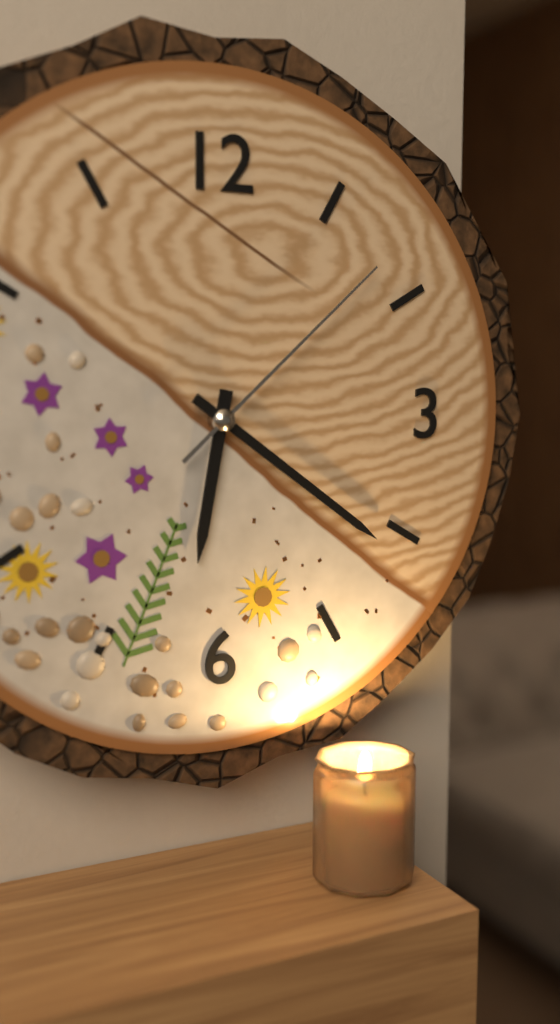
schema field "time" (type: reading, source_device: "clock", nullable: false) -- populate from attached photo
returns 6:21:08
